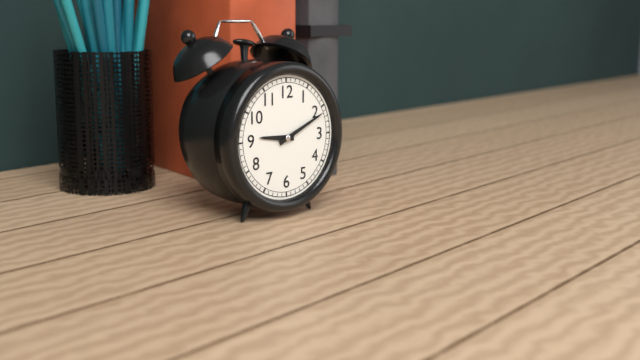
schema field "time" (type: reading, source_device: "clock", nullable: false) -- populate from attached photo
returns 9:11
